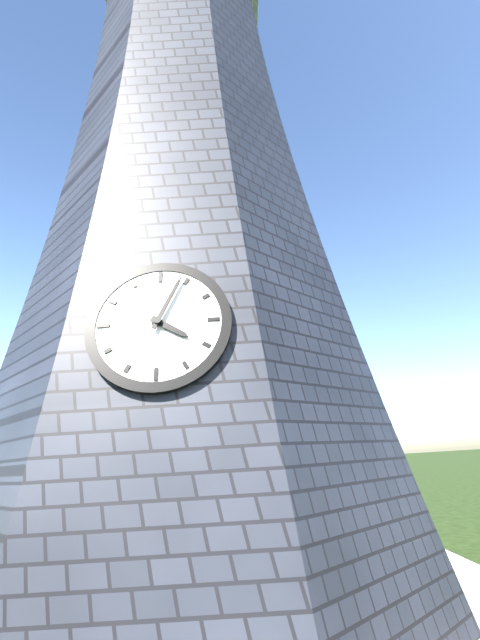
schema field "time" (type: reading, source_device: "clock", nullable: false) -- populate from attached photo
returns 4:04
